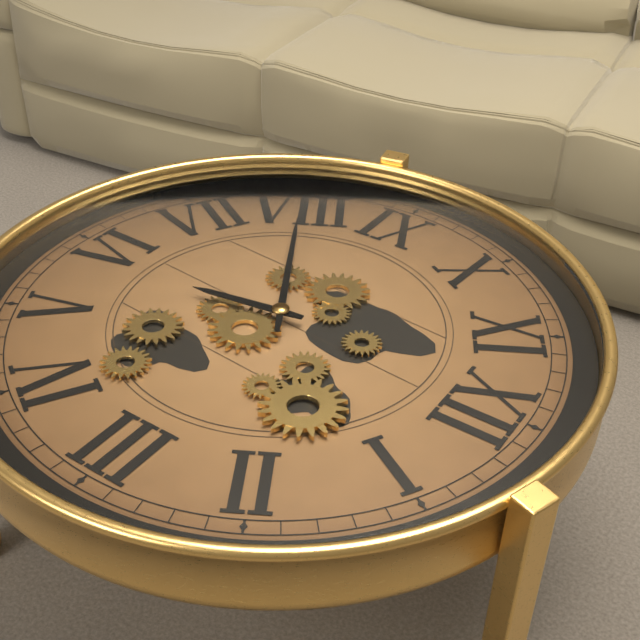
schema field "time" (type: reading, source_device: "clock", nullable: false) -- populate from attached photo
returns 5:40
